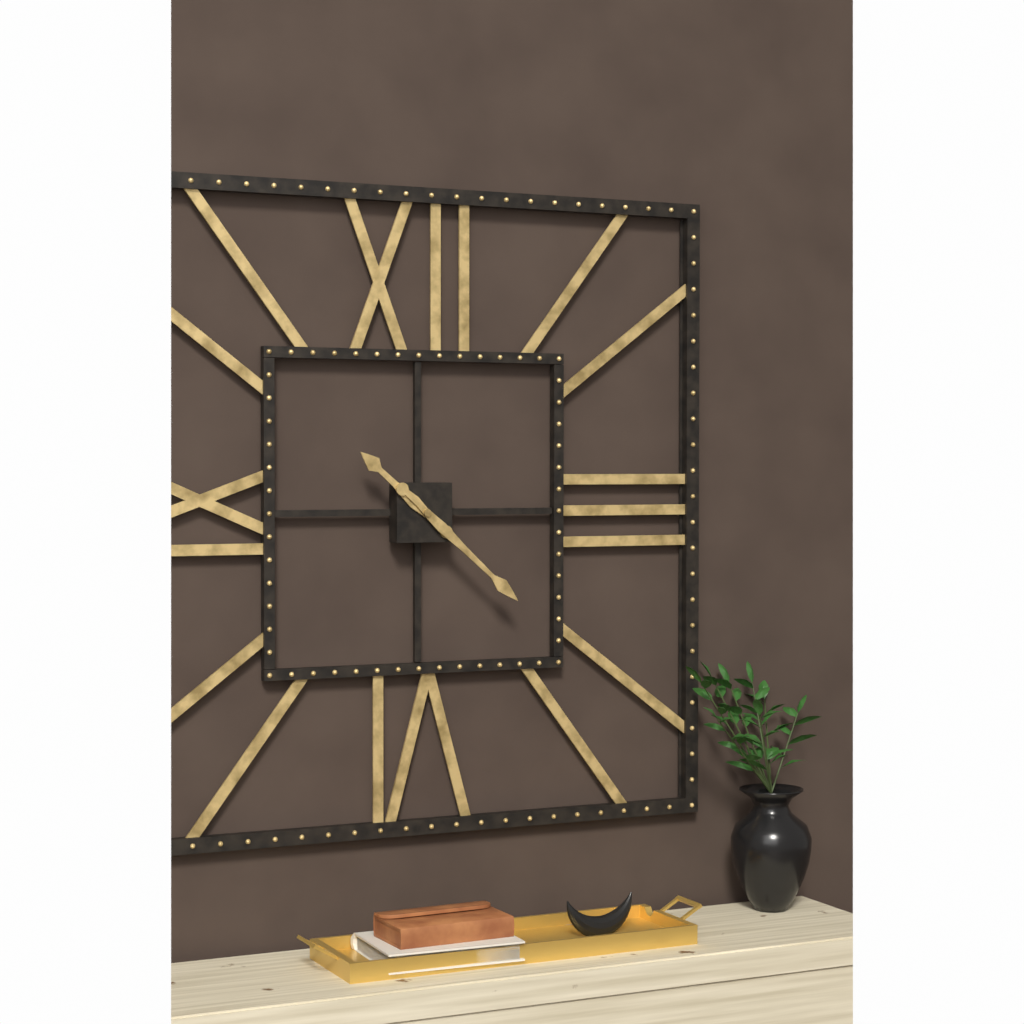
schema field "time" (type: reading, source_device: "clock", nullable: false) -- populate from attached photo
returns 10:22
